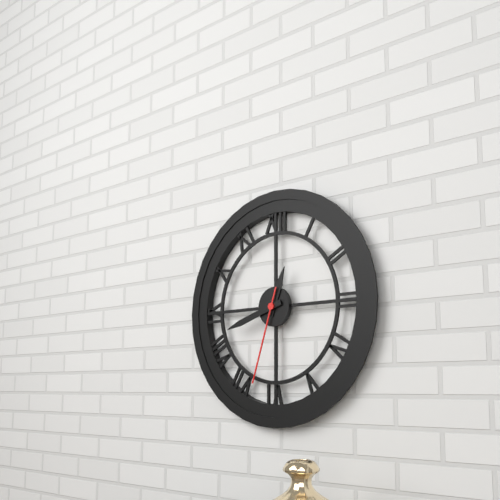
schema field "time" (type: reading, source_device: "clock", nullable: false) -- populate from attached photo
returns 12:42:33
